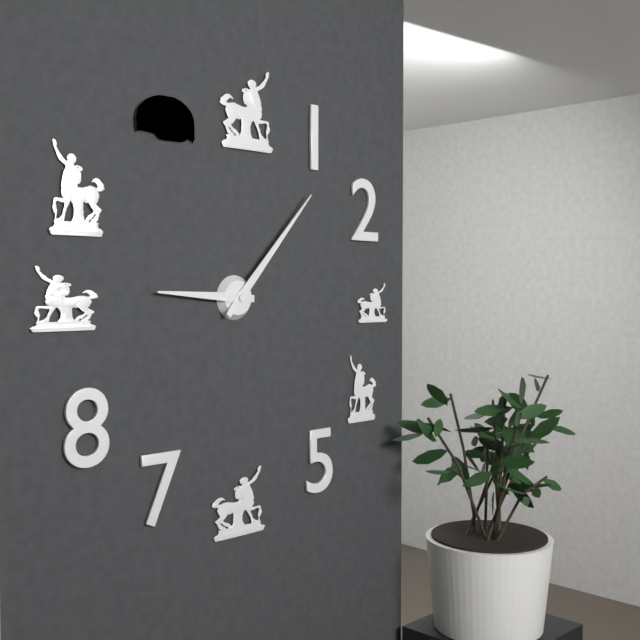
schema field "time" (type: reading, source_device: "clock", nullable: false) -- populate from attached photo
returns 9:07
